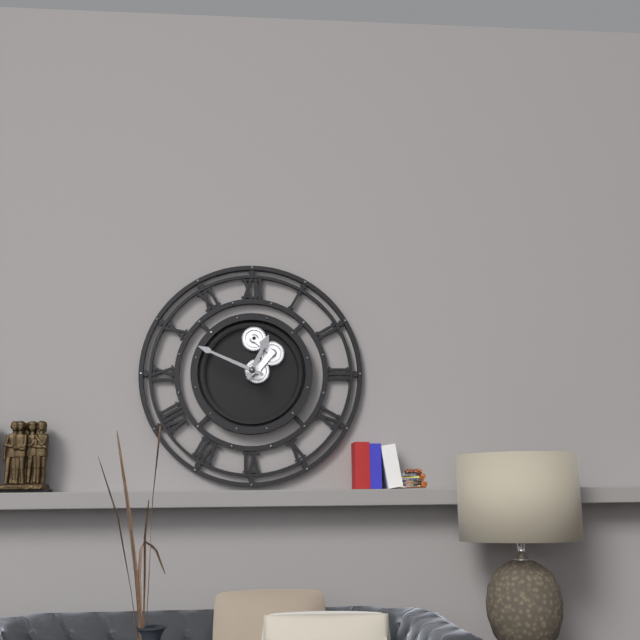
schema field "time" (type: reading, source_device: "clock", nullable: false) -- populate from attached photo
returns 12:49
